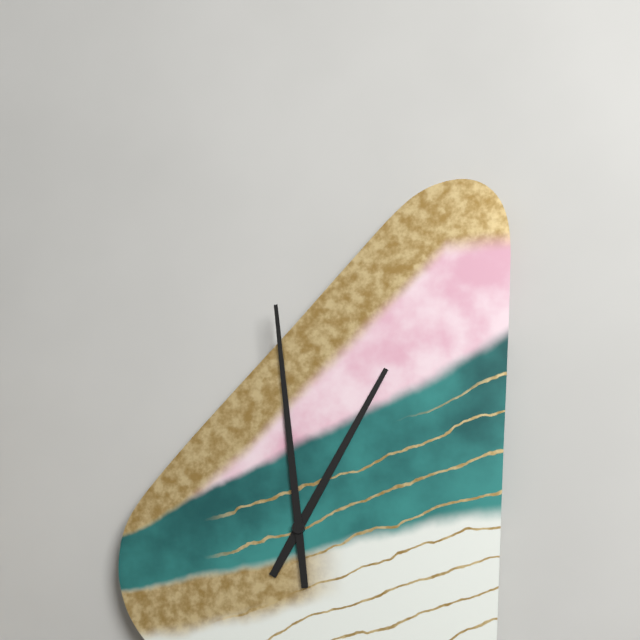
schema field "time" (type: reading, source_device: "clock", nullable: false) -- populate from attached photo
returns 12:59
